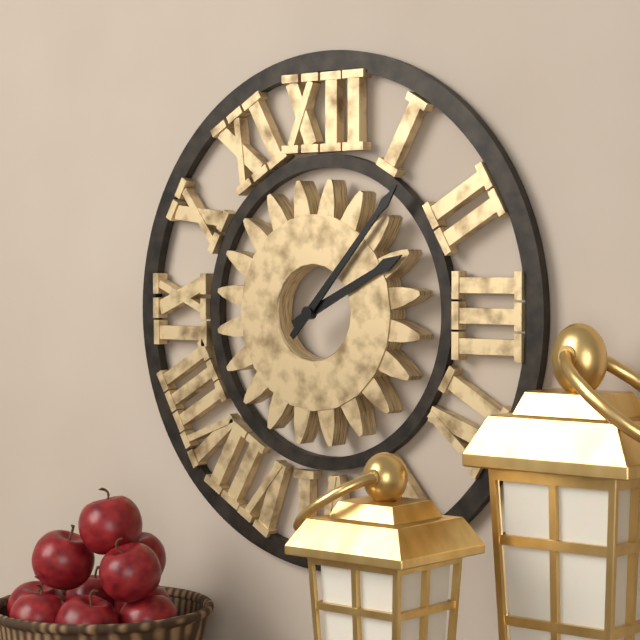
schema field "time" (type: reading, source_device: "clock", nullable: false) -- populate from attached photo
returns 2:07
